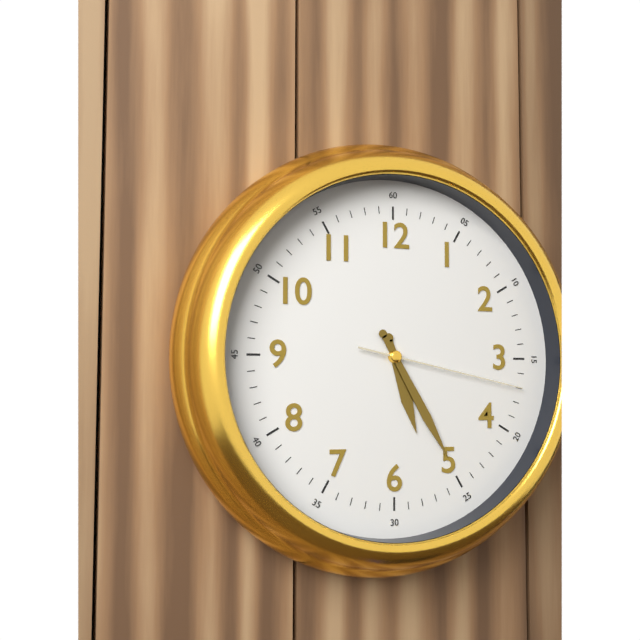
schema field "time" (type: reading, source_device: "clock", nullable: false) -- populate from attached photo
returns 5:25:17
